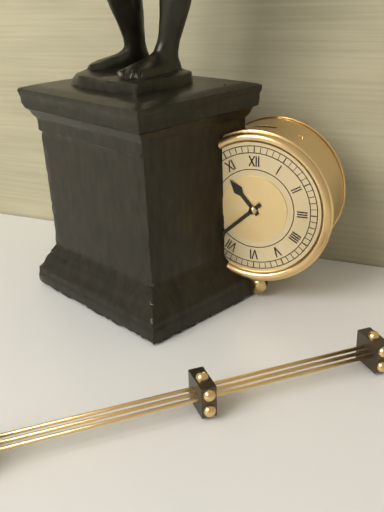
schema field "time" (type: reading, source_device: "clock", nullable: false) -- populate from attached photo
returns 10:38
